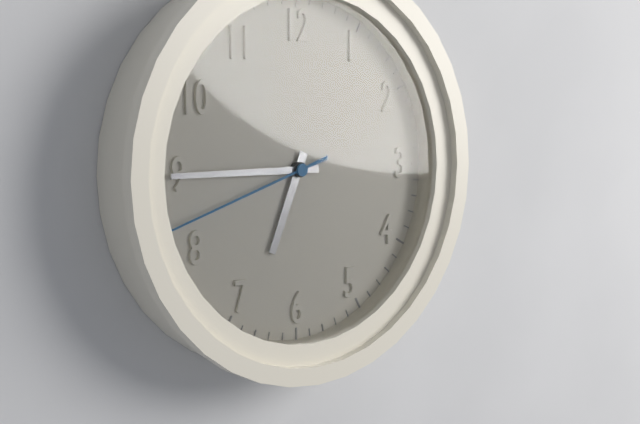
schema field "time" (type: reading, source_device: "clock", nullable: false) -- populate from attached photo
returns 6:45:42
